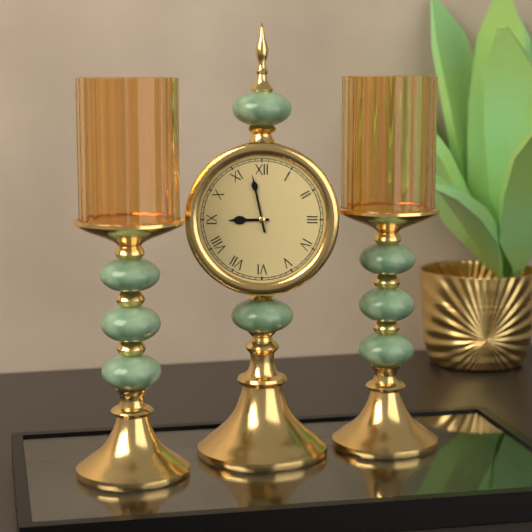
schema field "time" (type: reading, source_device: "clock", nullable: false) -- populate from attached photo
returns 8:58
